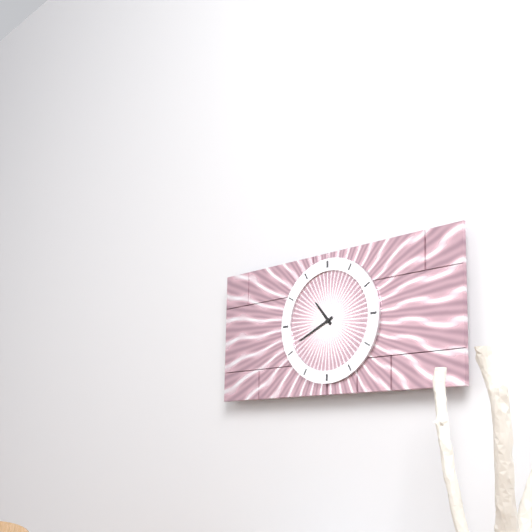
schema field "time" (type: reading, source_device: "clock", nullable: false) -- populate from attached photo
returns 10:41
